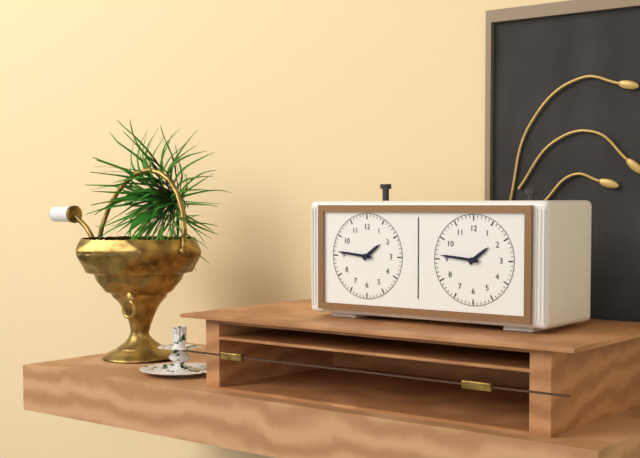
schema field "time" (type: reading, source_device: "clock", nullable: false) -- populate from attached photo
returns 1:46
